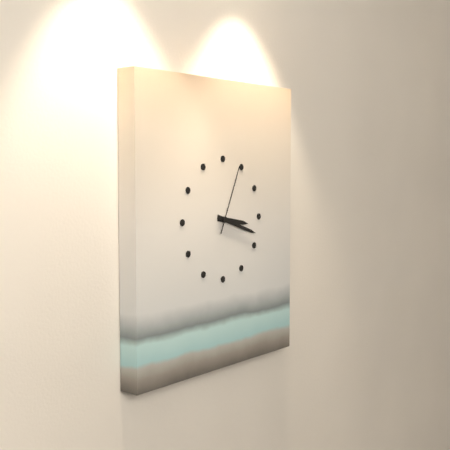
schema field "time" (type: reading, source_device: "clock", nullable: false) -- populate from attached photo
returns 3:18:04
